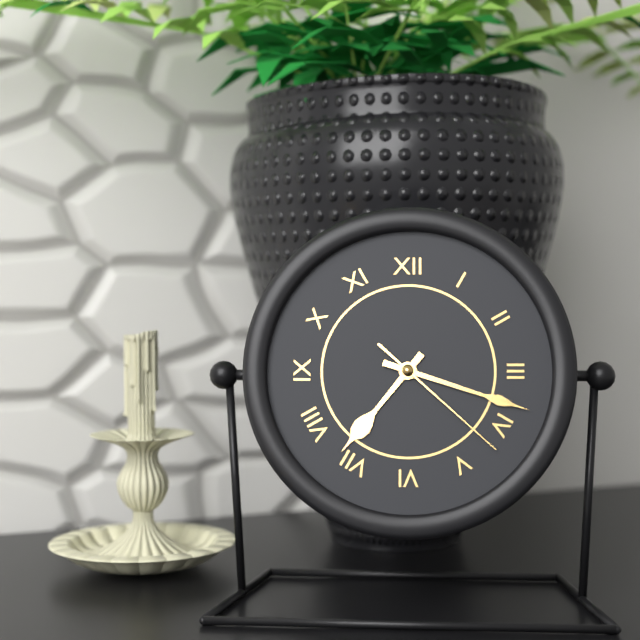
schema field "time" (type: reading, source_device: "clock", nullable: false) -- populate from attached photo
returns 7:18:22
